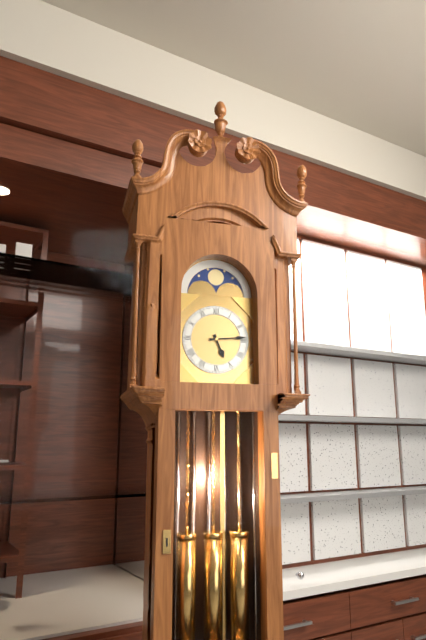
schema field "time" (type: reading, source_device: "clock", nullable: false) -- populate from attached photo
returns 5:14
